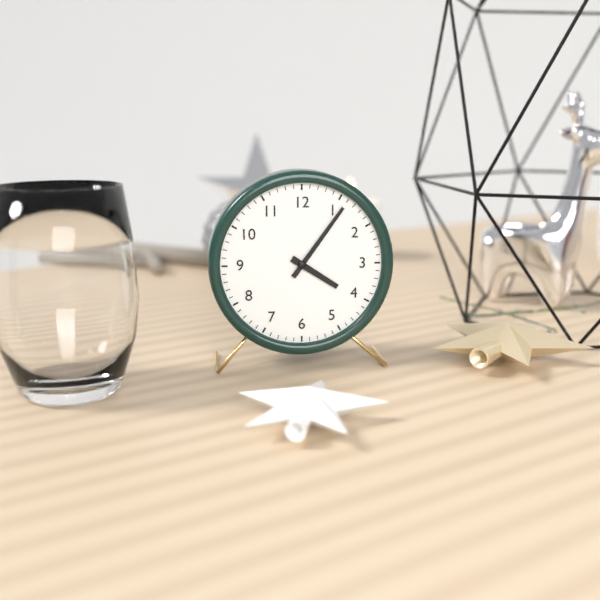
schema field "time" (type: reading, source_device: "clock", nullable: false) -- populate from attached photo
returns 4:06
